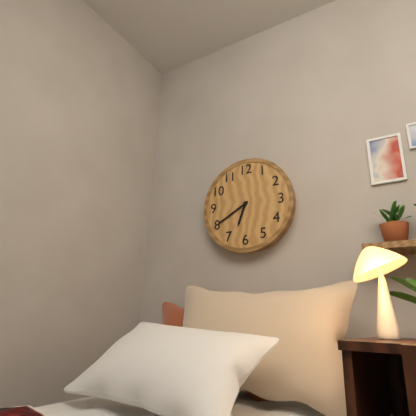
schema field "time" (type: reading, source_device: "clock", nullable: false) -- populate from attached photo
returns 6:40
